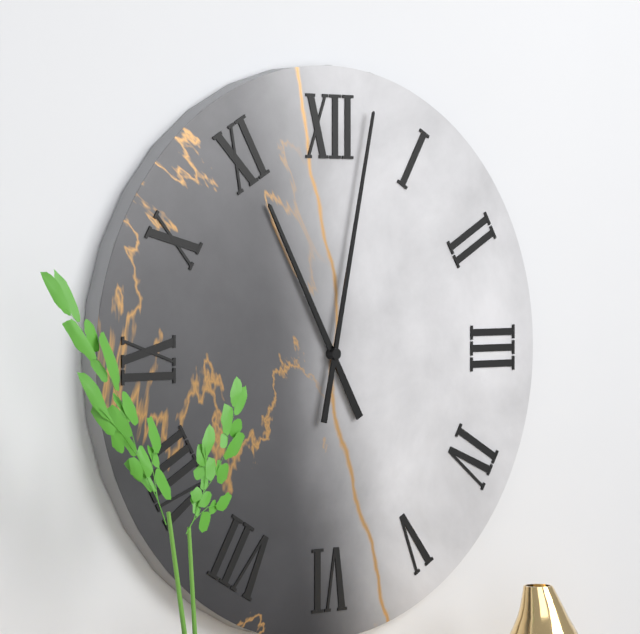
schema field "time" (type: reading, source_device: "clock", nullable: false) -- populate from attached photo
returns 11:02
